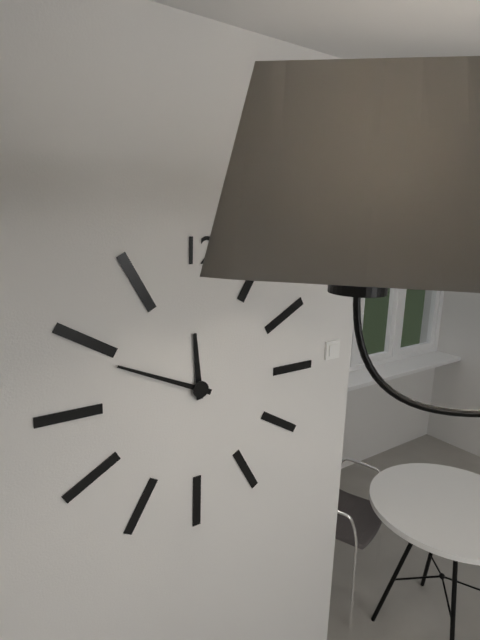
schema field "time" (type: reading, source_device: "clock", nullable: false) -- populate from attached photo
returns 11:49
